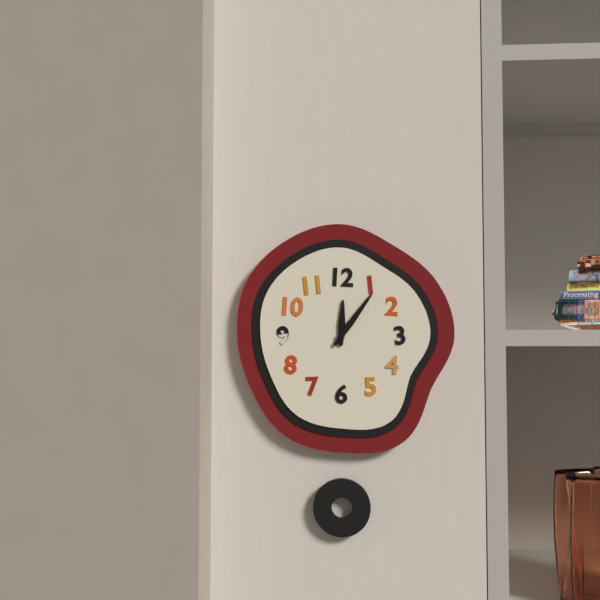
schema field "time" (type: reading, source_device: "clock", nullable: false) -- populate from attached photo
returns 12:06
